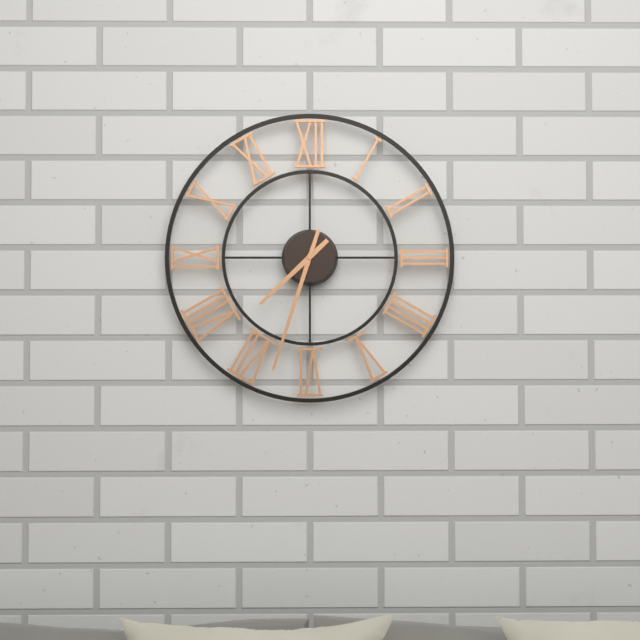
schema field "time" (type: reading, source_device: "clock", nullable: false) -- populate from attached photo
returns 7:33
